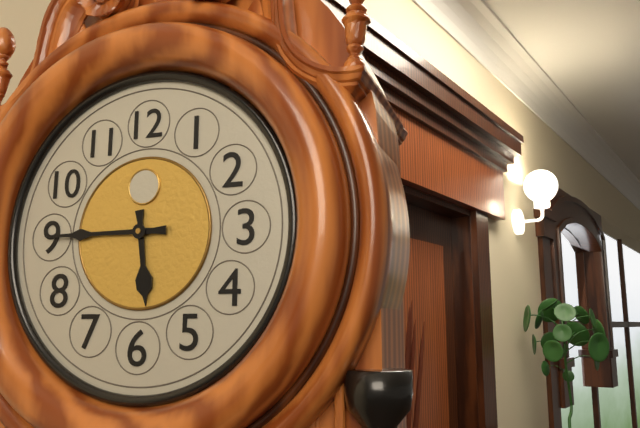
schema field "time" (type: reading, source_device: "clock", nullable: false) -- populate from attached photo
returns 5:45
